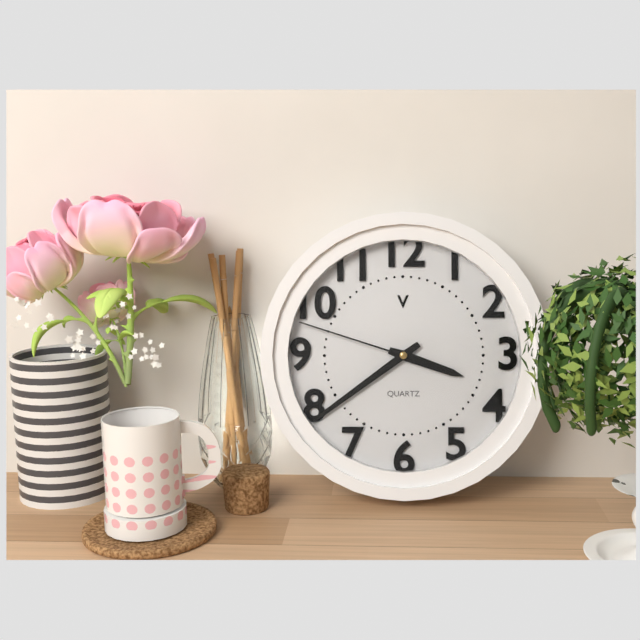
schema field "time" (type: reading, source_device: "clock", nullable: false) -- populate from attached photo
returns 3:39:48
